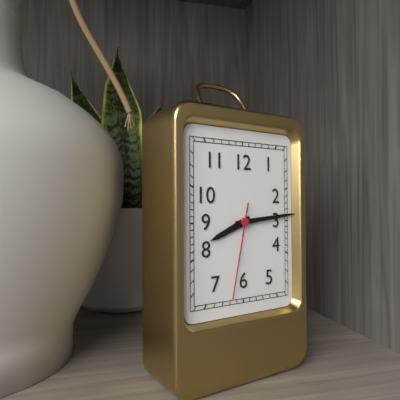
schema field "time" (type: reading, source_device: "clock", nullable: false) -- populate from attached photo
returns 8:14:32
